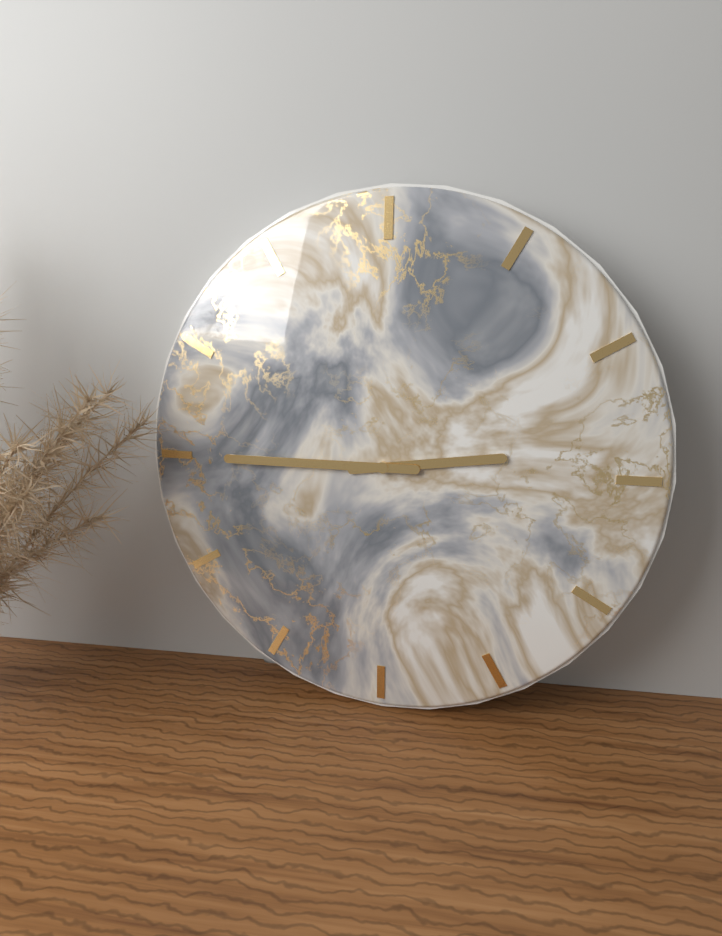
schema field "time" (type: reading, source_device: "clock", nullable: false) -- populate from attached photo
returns 2:45
